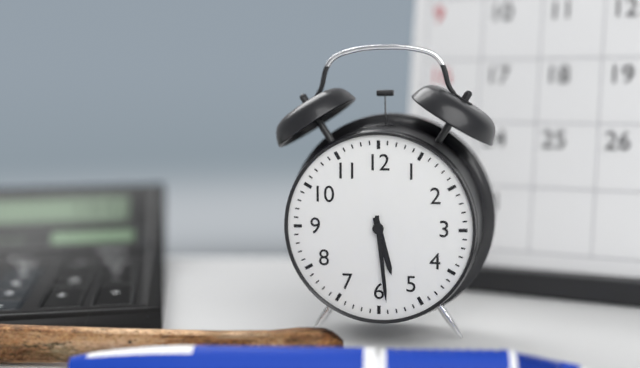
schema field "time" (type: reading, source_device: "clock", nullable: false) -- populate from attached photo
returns 5:29
